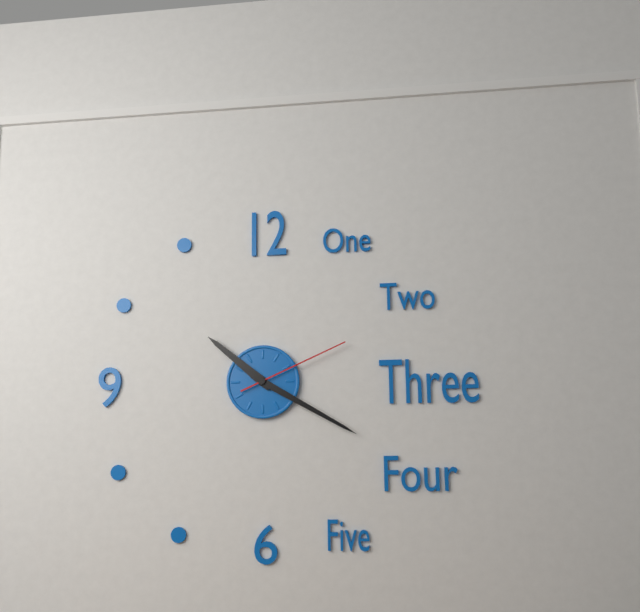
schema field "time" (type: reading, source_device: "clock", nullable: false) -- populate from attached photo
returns 10:20:11
